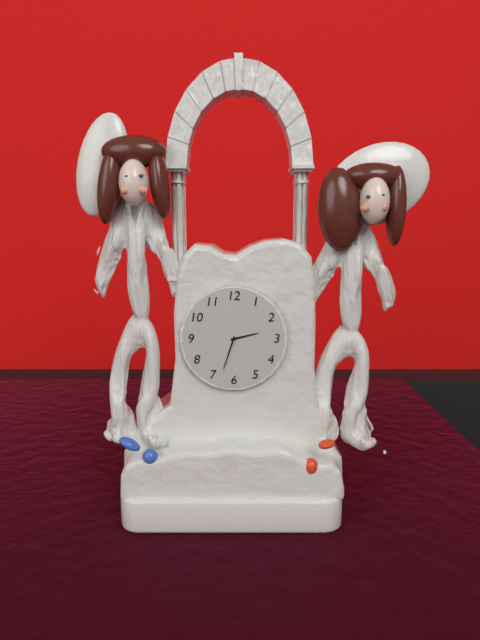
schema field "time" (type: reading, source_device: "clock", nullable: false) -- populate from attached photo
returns 2:33
